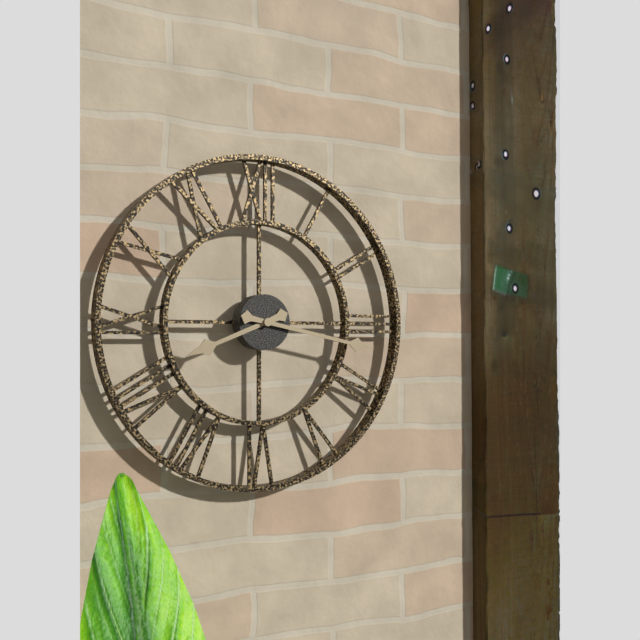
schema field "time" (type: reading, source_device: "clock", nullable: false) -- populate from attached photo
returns 8:17
